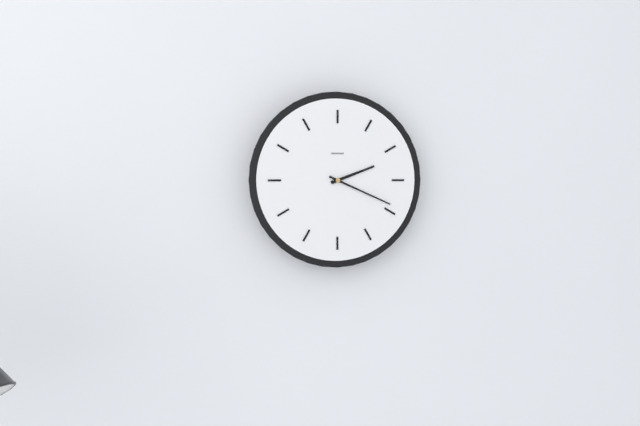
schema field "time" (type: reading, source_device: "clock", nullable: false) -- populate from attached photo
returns 2:19
